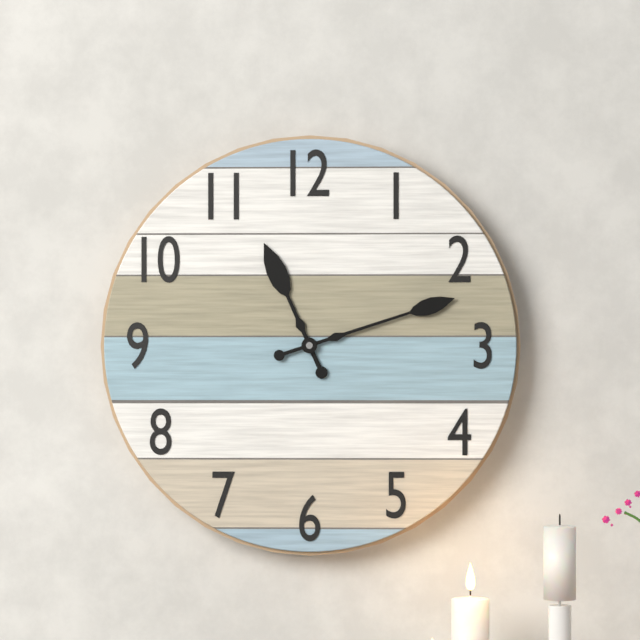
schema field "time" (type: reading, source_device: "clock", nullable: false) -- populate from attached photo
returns 11:12
